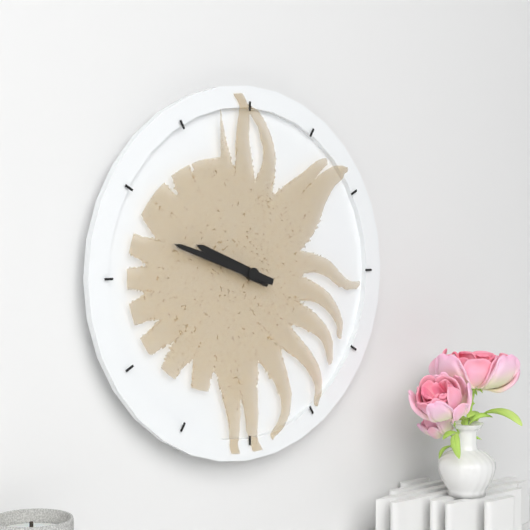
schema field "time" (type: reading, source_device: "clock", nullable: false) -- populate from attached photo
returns 9:48
